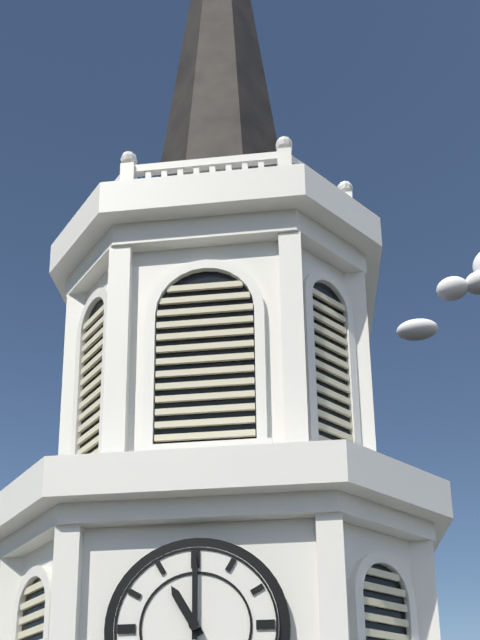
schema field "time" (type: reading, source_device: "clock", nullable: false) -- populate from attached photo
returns 11:00
